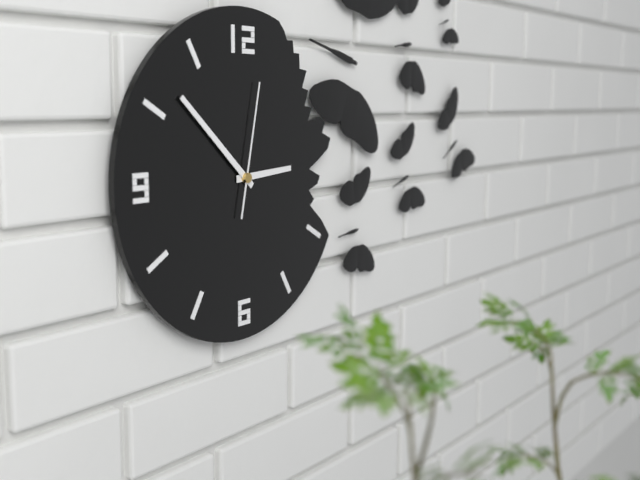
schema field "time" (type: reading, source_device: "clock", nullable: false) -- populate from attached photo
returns 2:52:02
